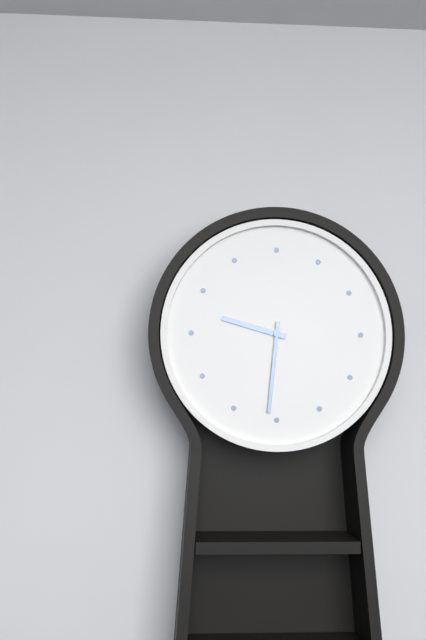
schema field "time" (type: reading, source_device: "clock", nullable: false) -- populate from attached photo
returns 9:31
